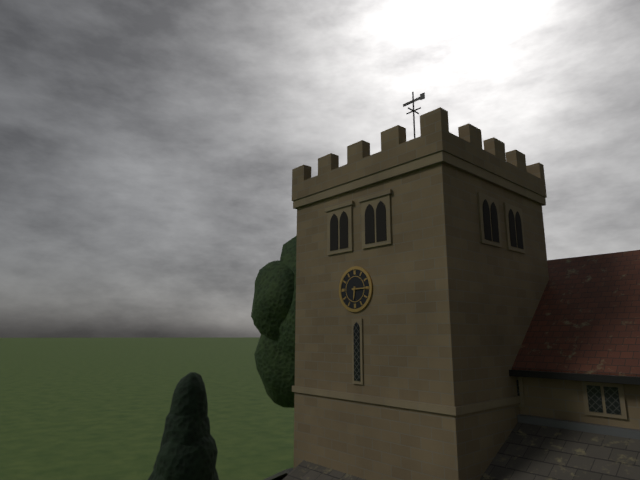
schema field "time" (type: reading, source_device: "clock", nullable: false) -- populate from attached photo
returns 6:15
